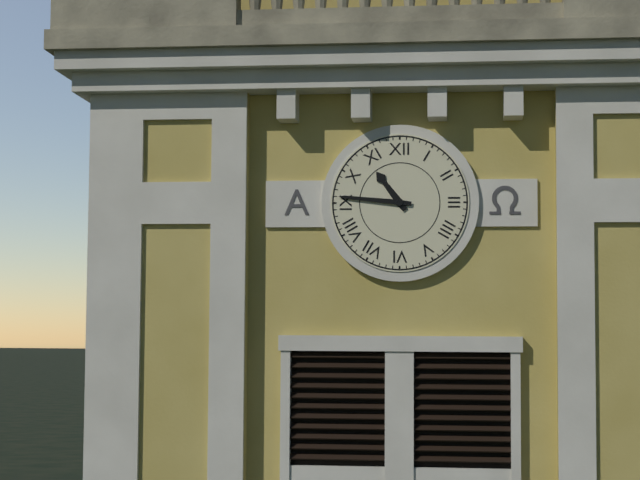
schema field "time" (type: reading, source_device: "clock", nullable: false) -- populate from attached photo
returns 10:46
